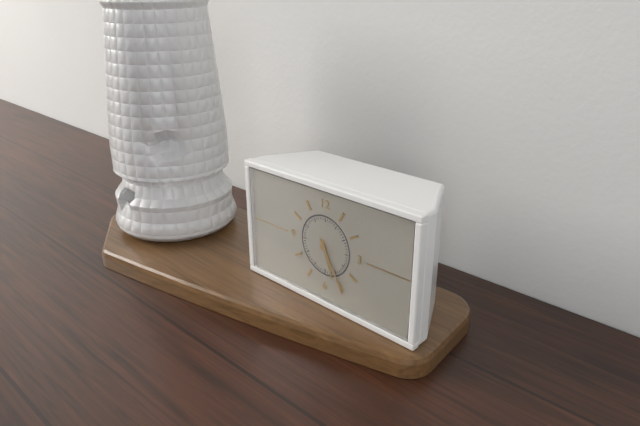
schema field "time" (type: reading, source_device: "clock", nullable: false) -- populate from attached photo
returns 5:25
